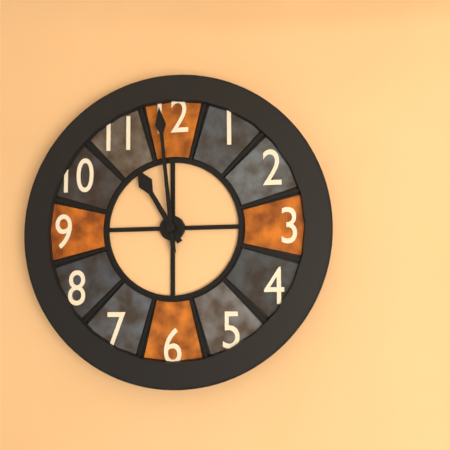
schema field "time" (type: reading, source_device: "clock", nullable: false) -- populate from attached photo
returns 10:59
